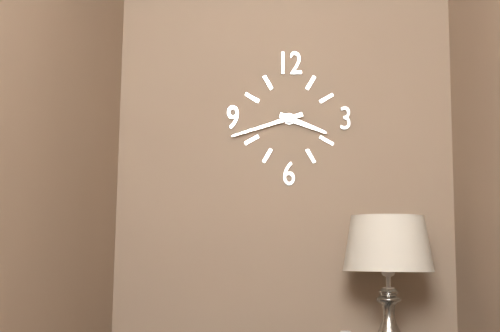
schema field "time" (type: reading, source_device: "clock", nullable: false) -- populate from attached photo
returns 3:42
